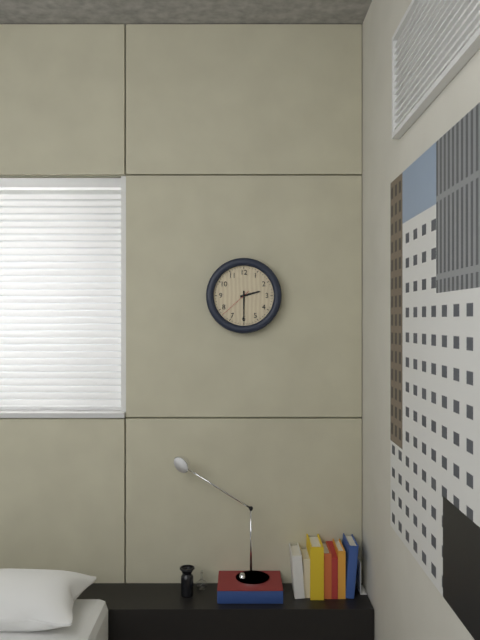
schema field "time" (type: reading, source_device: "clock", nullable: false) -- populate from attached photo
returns 2:30
